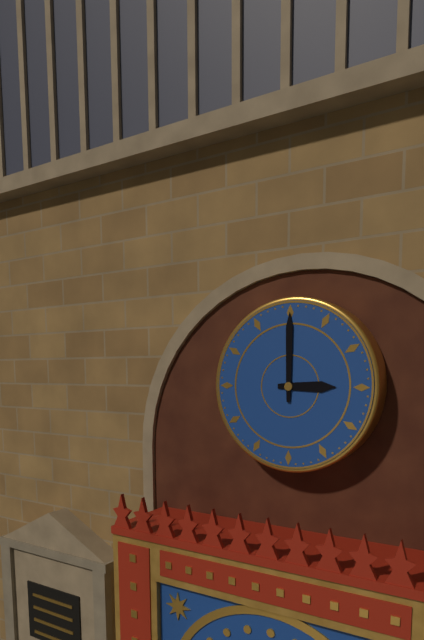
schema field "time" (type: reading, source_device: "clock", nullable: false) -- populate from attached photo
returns 3:00
